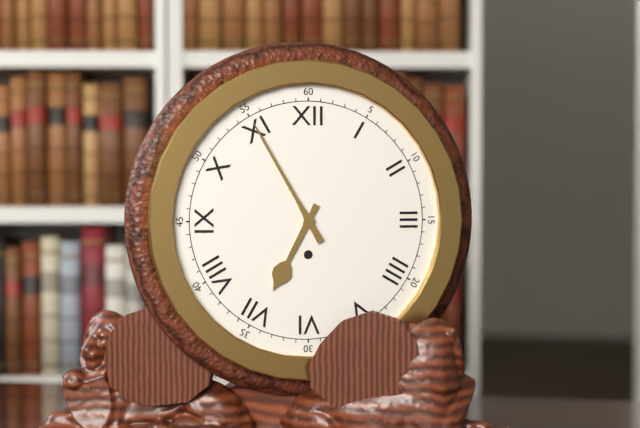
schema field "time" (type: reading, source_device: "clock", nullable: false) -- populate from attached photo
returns 6:55
